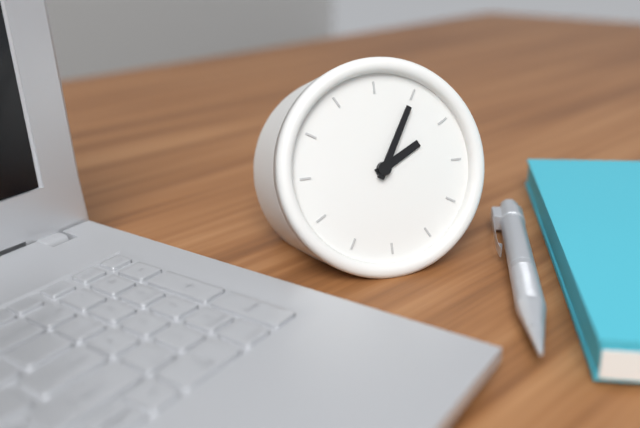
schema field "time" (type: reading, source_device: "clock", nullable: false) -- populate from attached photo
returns 2:05
